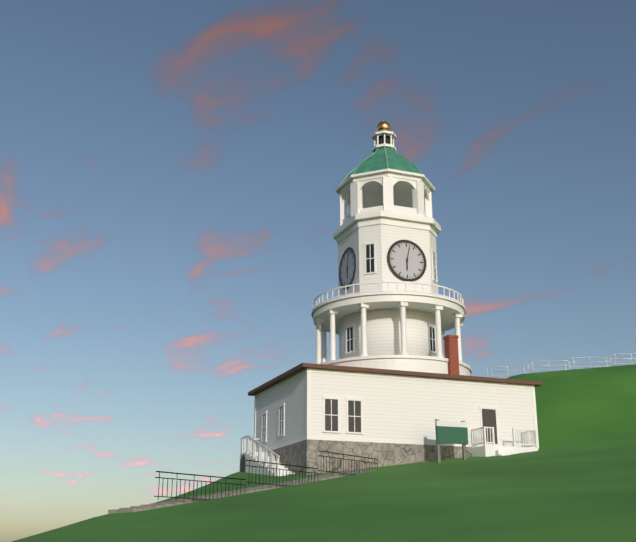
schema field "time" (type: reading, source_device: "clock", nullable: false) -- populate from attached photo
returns 6:02
